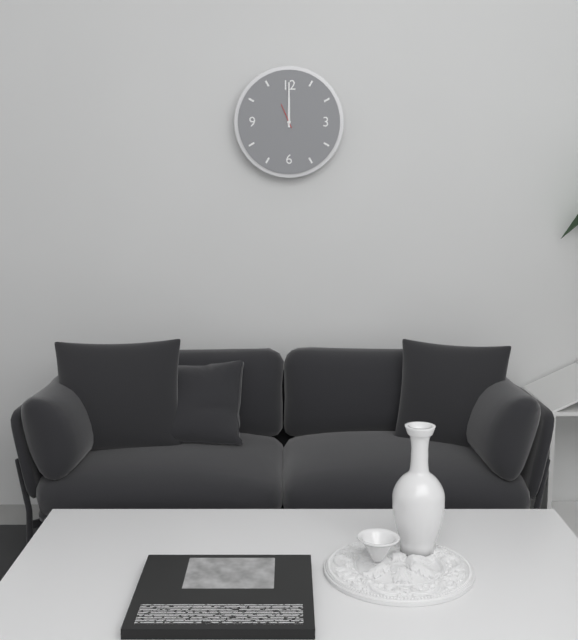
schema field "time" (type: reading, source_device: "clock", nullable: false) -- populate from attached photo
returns 12:00
